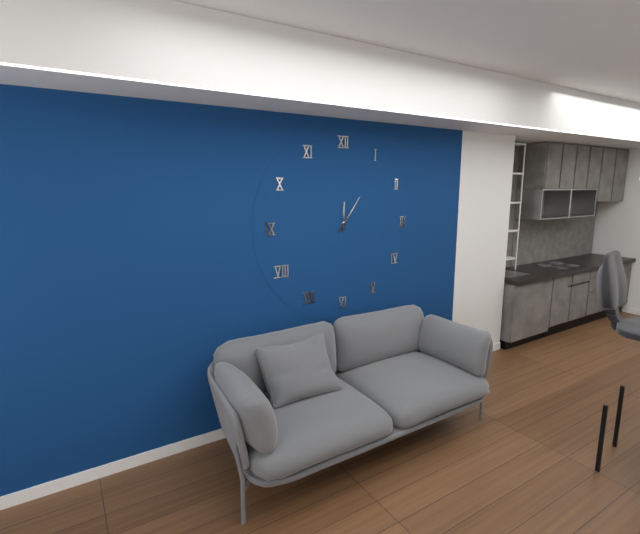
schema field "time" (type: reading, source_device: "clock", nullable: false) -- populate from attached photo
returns 12:06
